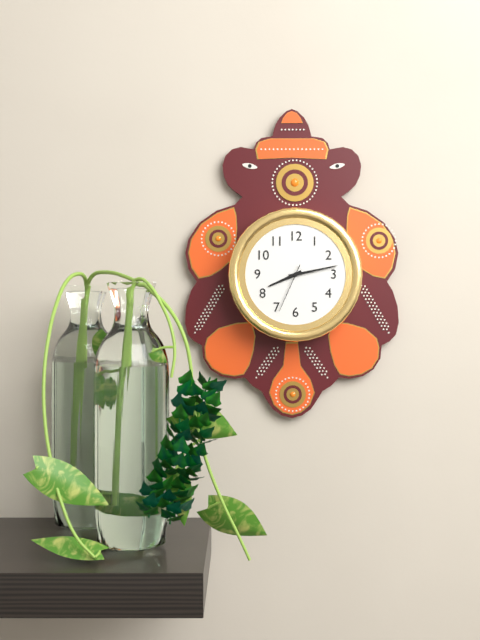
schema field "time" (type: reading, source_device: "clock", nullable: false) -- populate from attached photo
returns 8:13:34
